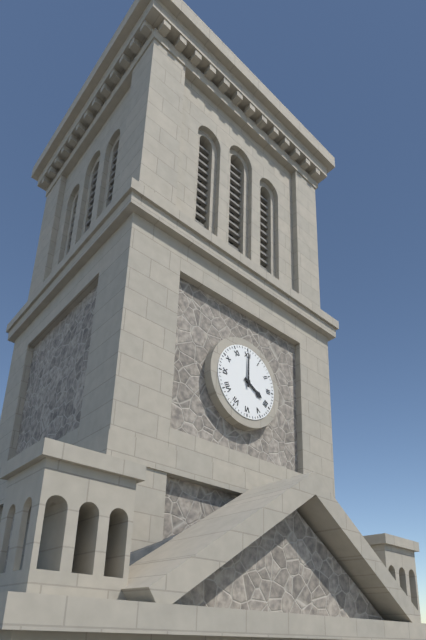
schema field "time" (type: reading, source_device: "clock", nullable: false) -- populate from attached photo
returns 4:00
